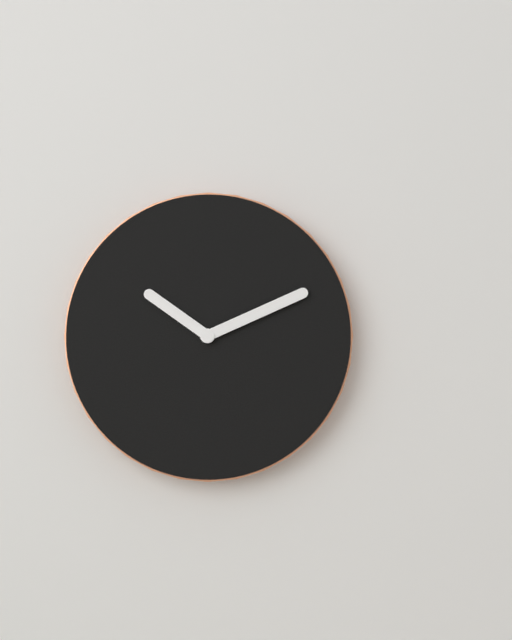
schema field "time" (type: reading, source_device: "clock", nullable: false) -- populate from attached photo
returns 10:11
